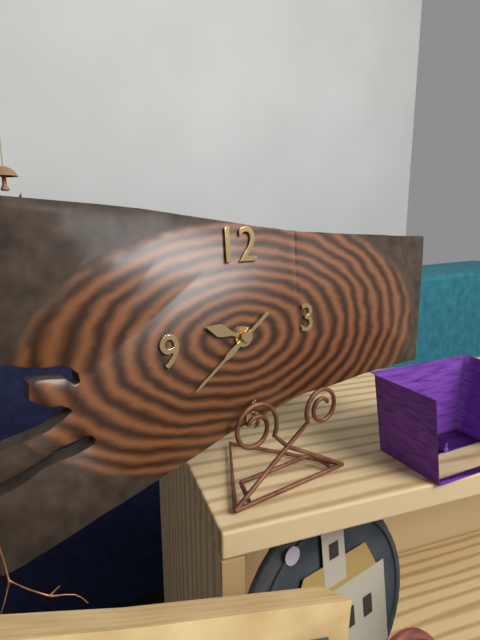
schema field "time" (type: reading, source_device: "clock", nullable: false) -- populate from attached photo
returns 9:39
